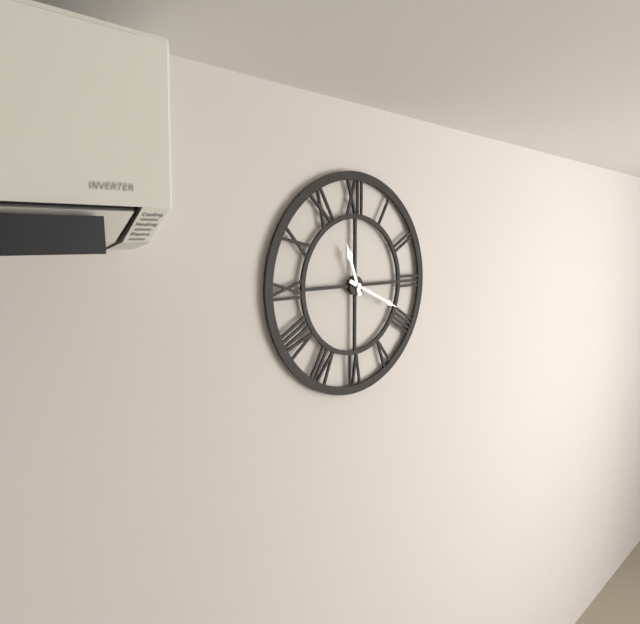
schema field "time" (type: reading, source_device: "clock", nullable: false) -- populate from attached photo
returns 11:19
